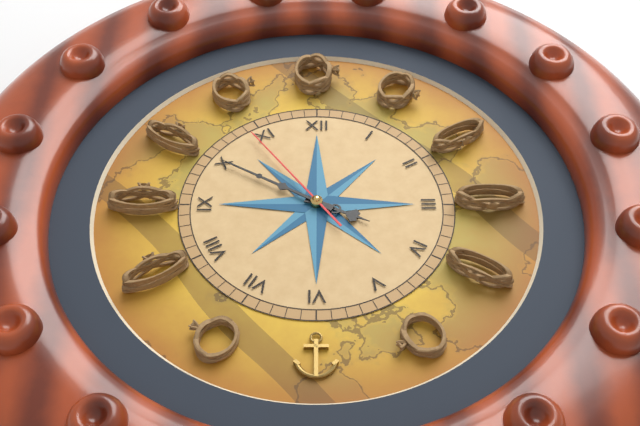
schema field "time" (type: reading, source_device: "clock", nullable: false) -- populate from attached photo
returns 3:50:54
